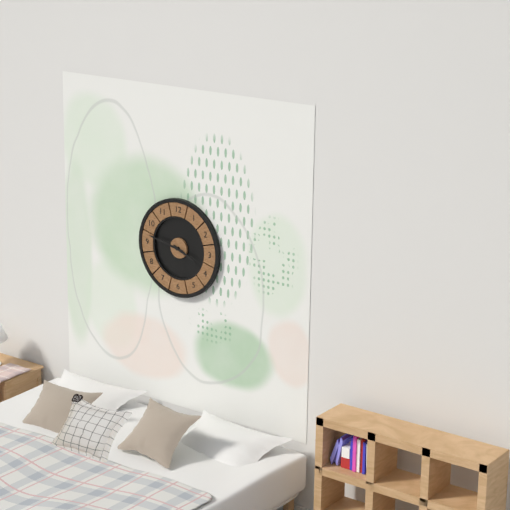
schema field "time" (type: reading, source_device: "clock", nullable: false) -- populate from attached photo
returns 3:47
